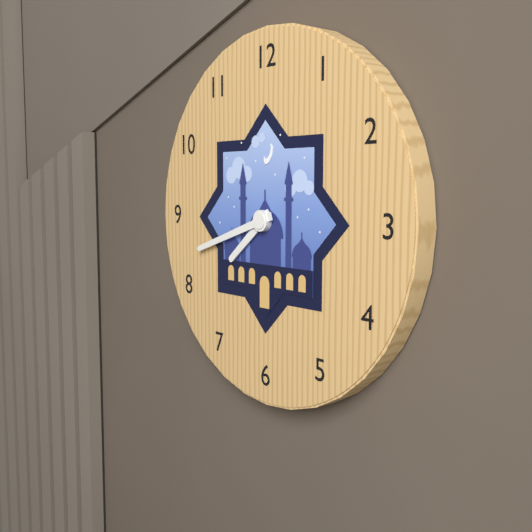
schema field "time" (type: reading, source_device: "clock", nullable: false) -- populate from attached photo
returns 7:42
